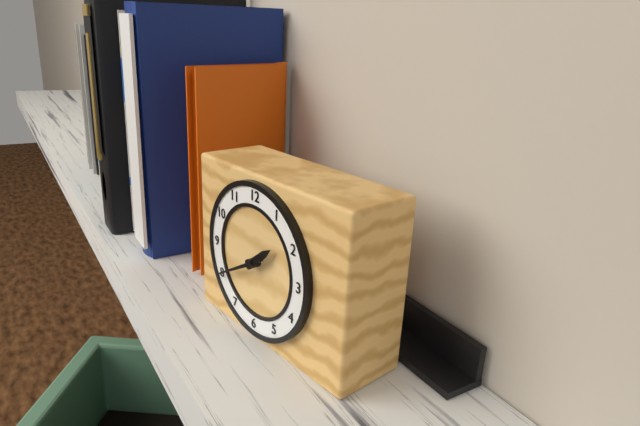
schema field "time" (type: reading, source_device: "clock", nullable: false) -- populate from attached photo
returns 1:40
